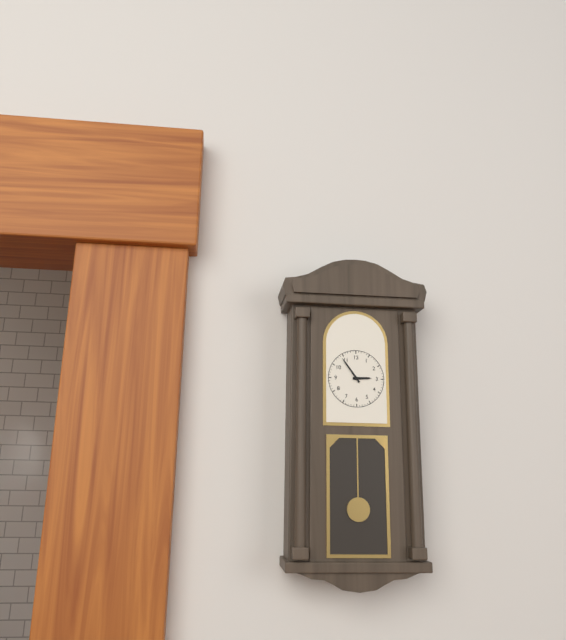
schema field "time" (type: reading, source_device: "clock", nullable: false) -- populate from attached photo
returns 2:54
